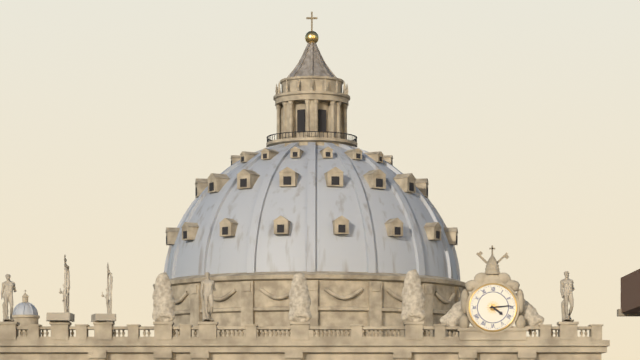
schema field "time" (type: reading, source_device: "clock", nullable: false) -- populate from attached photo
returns 4:14
